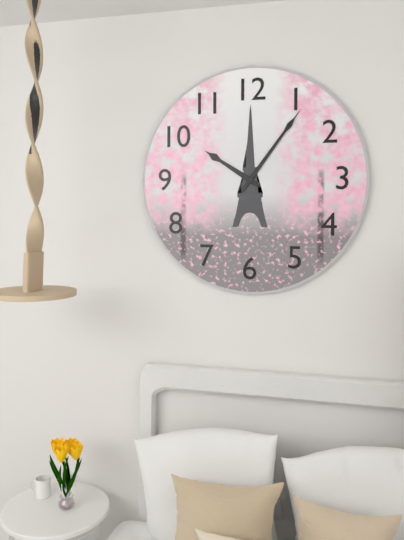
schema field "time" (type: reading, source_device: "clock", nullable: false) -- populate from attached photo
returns 10:06
